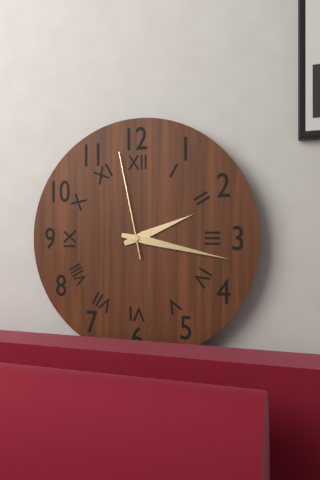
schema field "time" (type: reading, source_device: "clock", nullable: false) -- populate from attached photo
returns 2:17:58
